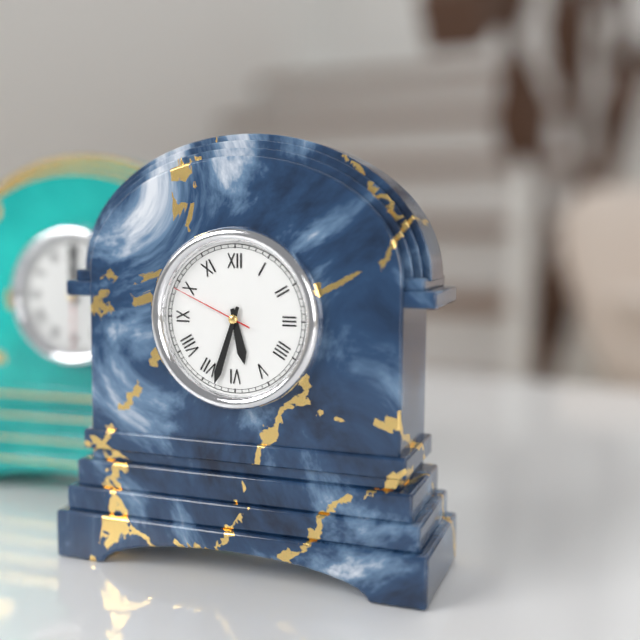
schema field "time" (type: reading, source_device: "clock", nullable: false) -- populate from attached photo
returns 5:33:49
